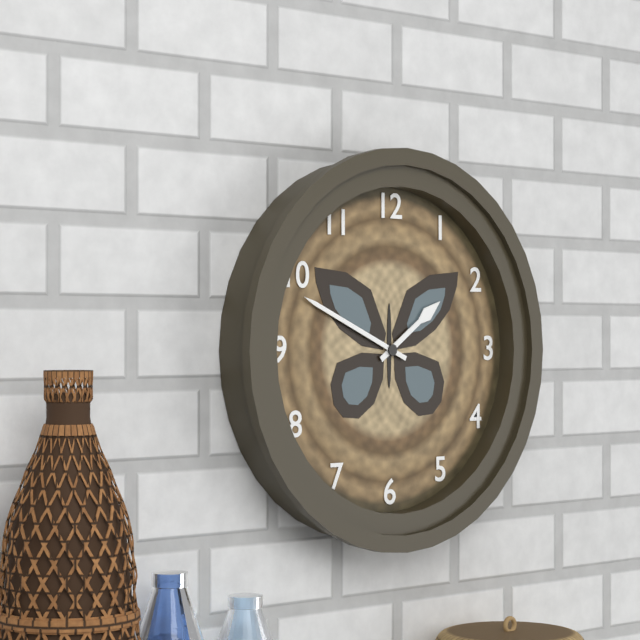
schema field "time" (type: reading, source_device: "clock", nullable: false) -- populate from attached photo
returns 1:49
